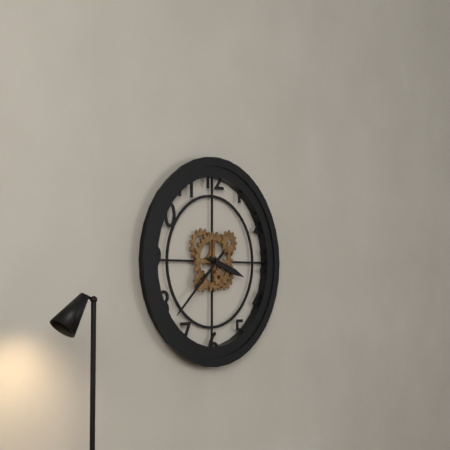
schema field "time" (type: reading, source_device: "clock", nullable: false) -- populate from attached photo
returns 3:38
